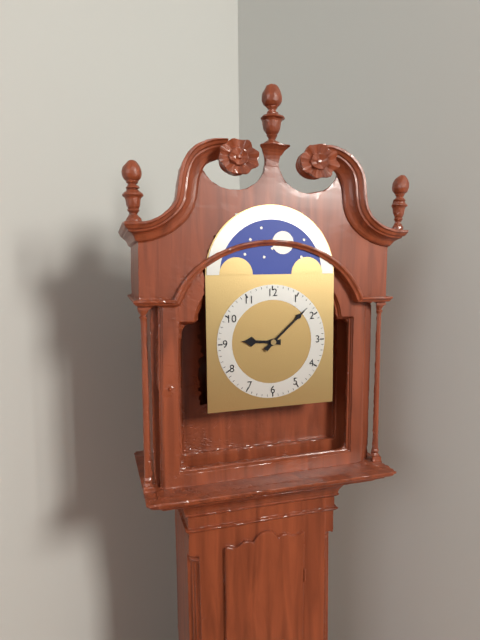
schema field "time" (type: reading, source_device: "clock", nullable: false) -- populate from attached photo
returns 9:08
